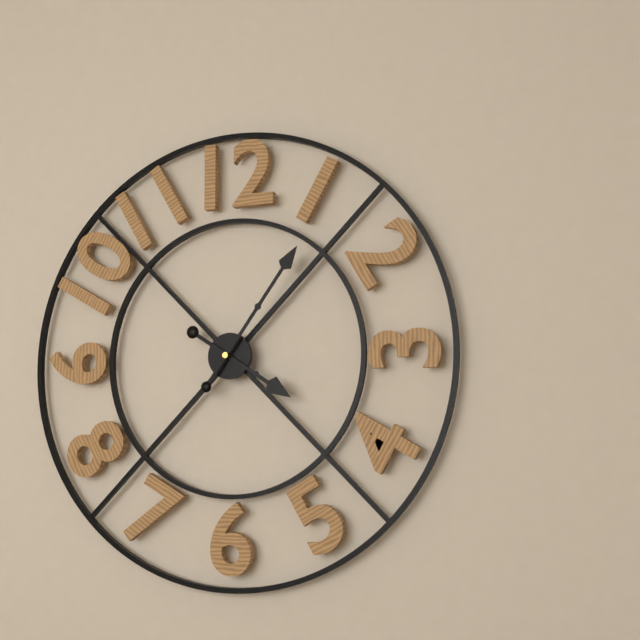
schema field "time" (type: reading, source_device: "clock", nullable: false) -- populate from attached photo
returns 4:06
